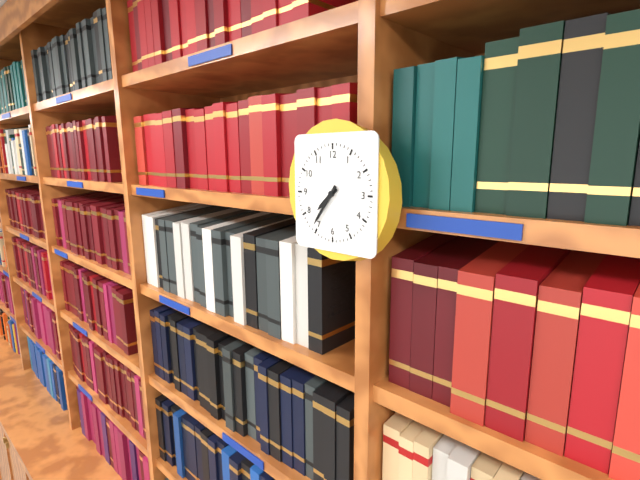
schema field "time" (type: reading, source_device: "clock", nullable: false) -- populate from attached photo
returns 7:36
